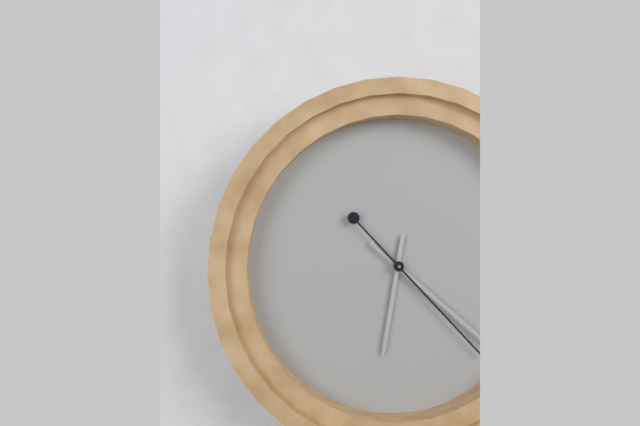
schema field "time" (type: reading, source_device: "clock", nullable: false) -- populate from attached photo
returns 6:22:23
